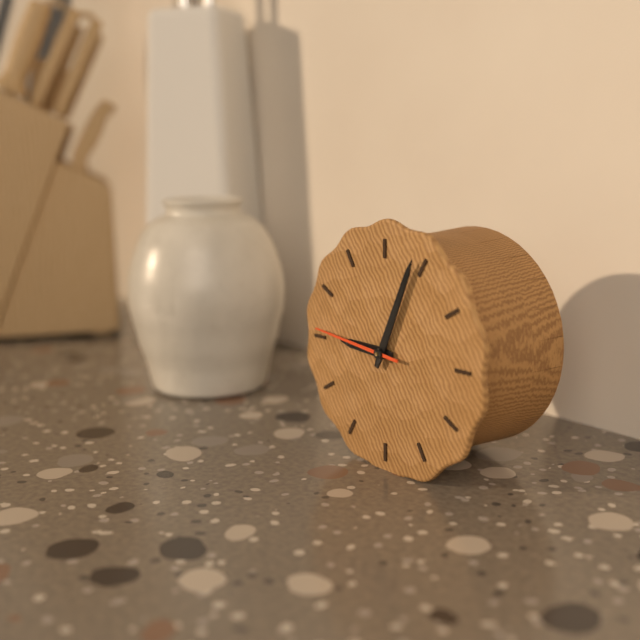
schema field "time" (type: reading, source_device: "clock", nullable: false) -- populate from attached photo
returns 9:04:46
